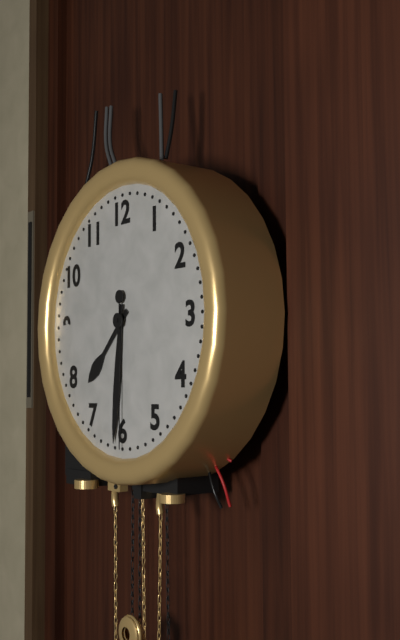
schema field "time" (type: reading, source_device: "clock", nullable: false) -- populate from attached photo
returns 7:31:30
